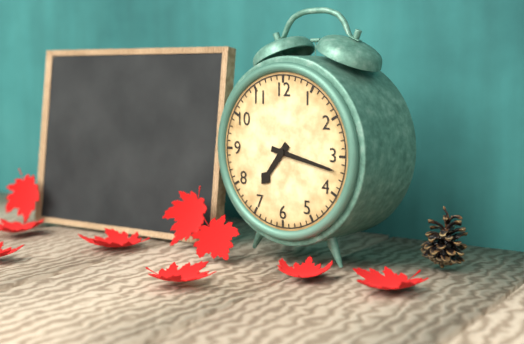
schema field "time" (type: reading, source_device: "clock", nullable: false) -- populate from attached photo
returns 7:17
